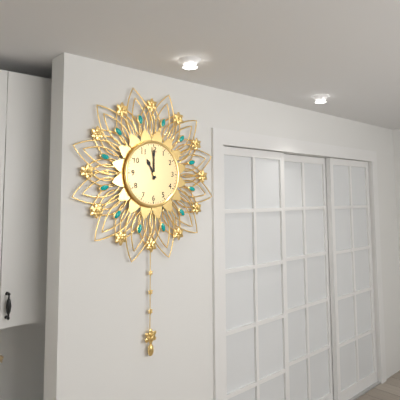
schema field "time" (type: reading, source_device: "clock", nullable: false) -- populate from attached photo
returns 11:00
